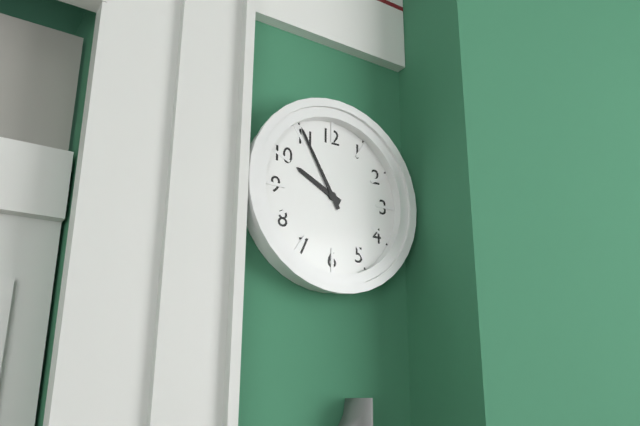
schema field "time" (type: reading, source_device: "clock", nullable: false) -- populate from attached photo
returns 9:55
